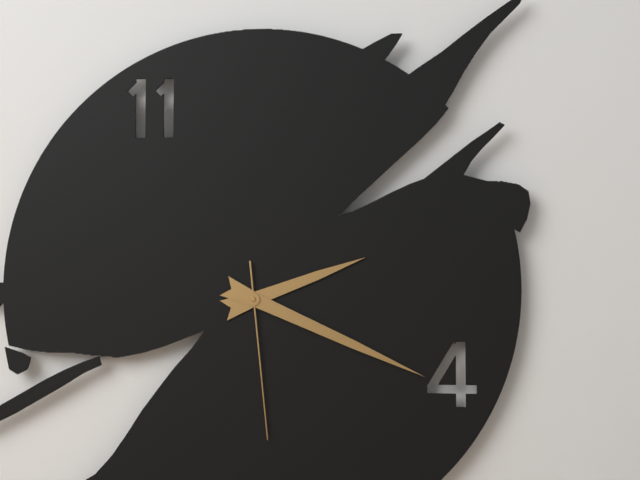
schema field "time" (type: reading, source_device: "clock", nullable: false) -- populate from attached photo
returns 2:19:29
